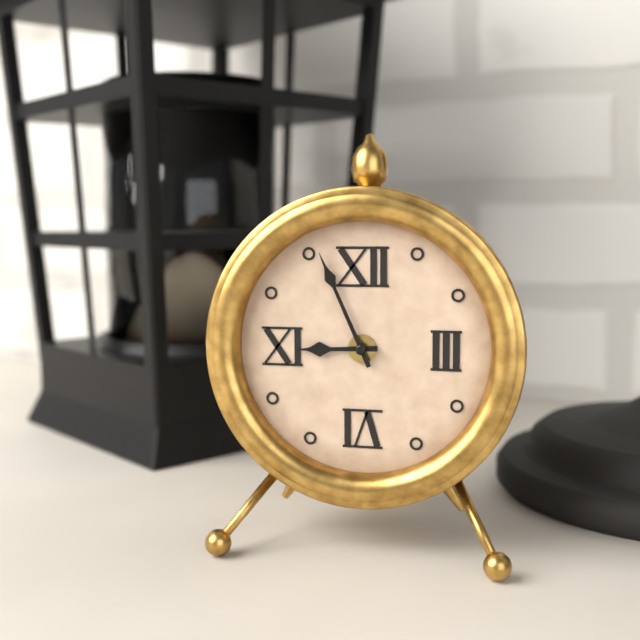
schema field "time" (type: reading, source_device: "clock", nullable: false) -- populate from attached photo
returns 8:56
